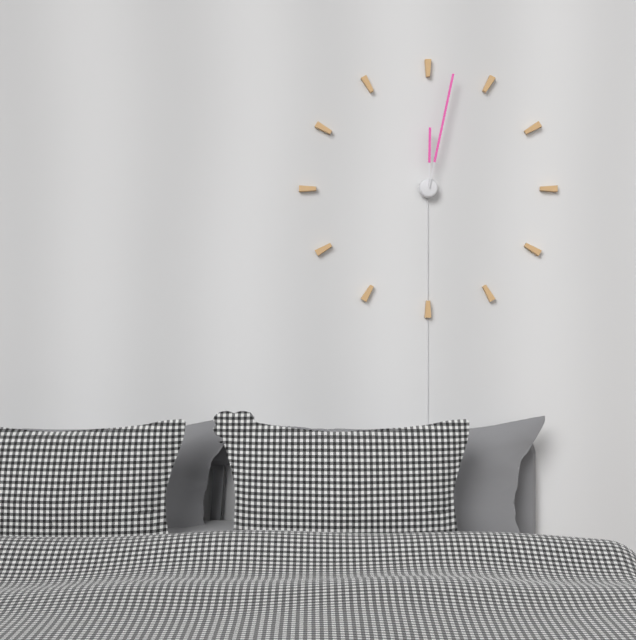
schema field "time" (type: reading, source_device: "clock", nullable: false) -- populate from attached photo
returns 12:02
